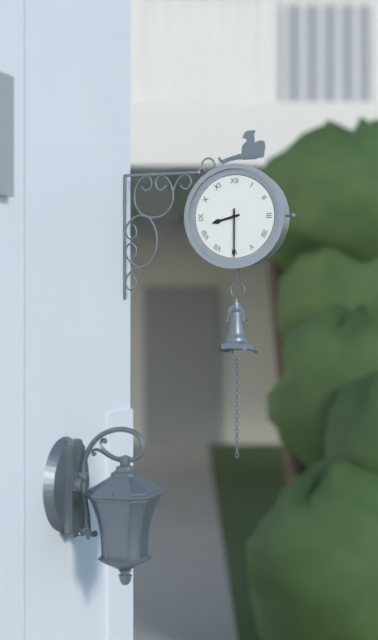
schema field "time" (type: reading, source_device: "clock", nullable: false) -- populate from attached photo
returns 8:30
